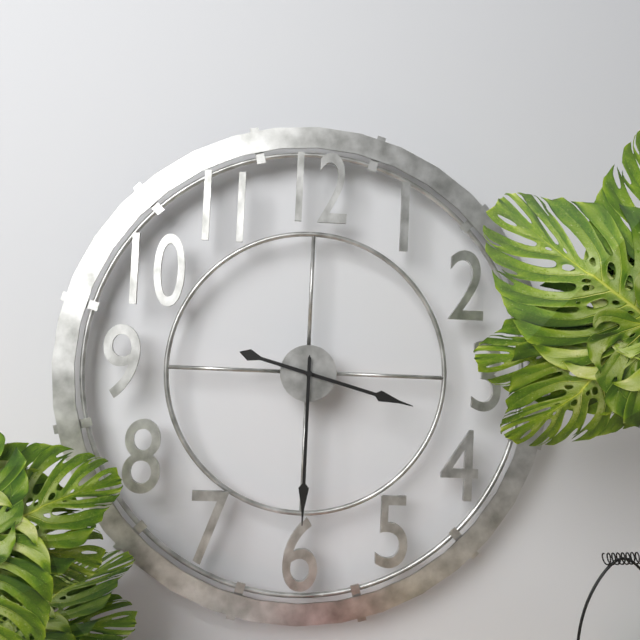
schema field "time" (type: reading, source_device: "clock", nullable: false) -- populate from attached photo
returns 3:30
